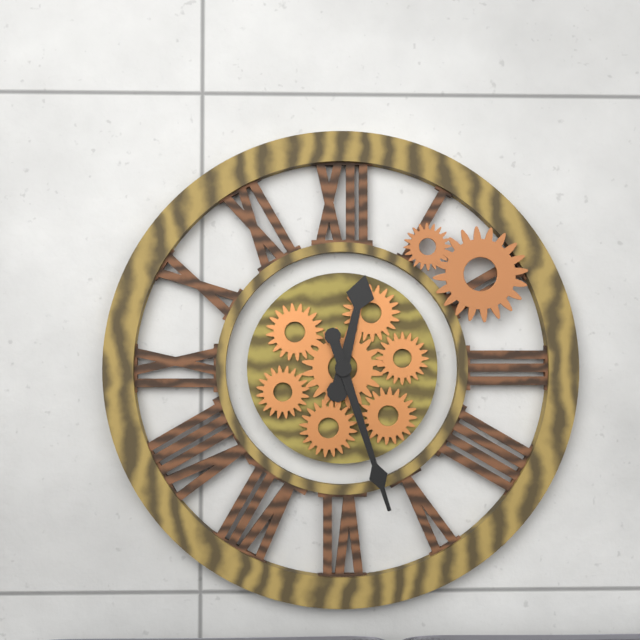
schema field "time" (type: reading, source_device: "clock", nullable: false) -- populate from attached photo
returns 12:27
